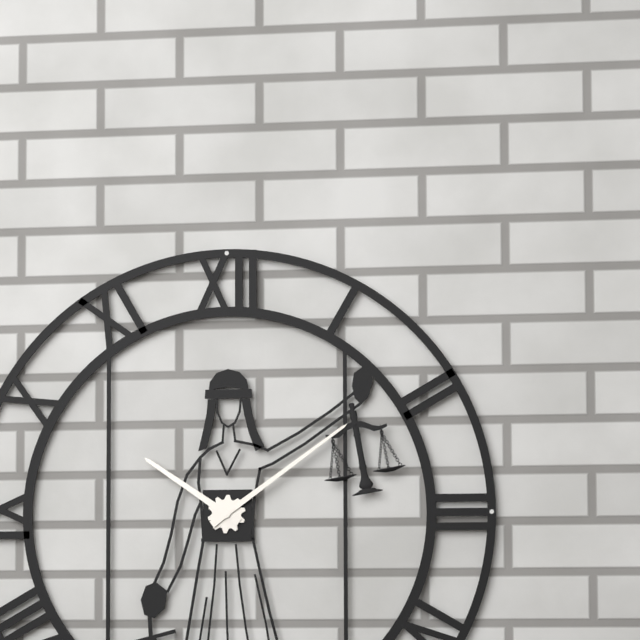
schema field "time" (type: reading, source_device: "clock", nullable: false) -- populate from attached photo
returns 10:09
